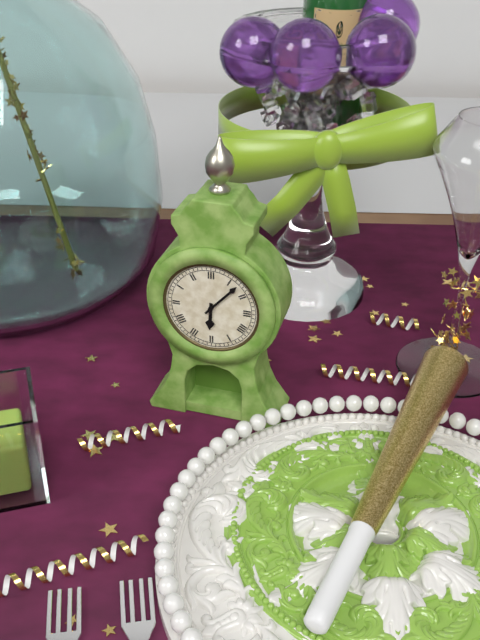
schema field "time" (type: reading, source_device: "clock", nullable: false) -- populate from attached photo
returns 6:07
